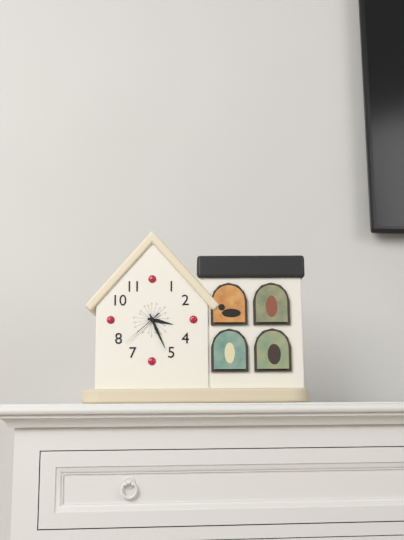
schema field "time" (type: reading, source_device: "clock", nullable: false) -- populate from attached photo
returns 3:26
